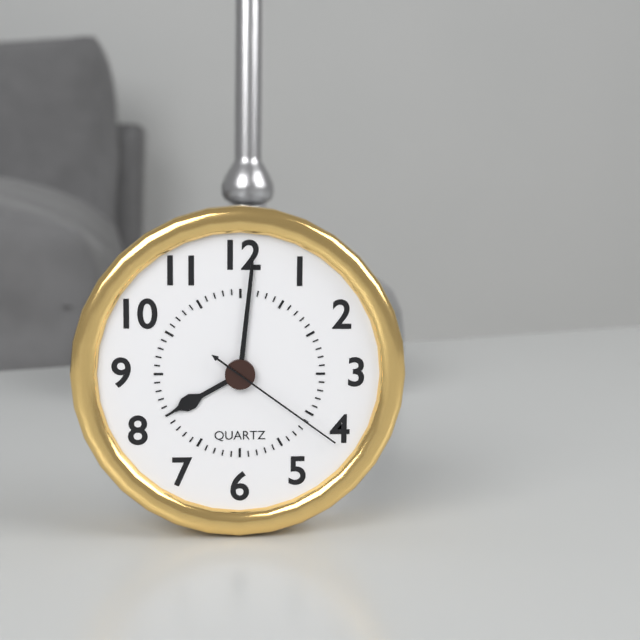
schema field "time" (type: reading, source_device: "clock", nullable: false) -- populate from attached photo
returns 8:01:21
